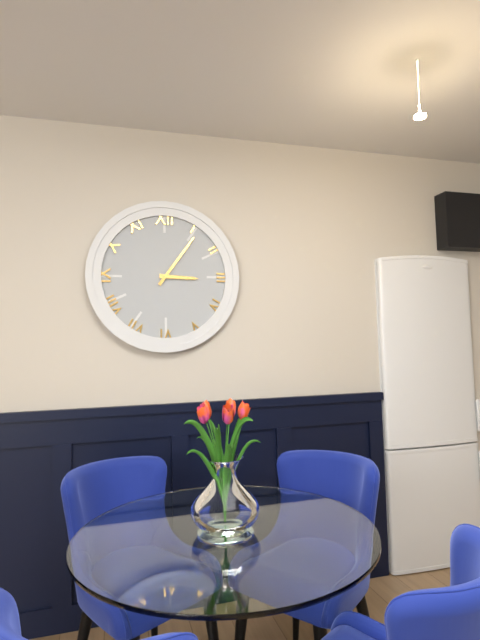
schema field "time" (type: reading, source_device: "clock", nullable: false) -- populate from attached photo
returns 3:06
